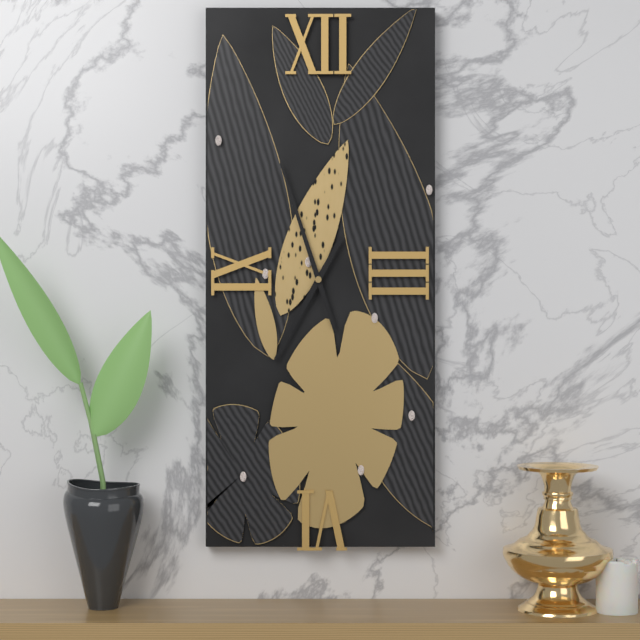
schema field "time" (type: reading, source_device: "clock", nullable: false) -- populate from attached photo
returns 6:57
